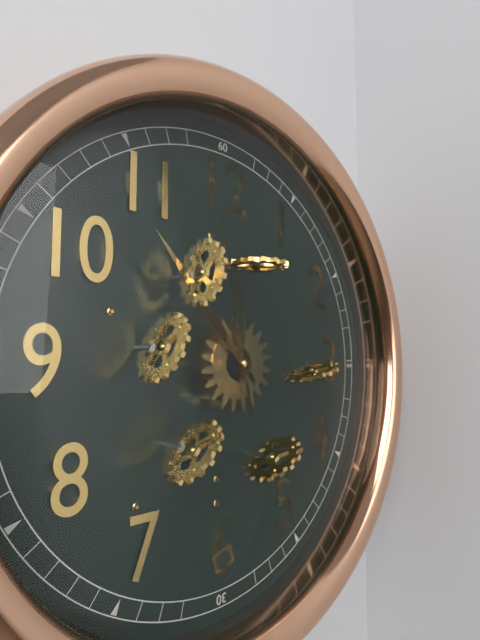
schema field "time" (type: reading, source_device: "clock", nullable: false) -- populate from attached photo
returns 11:53:58
